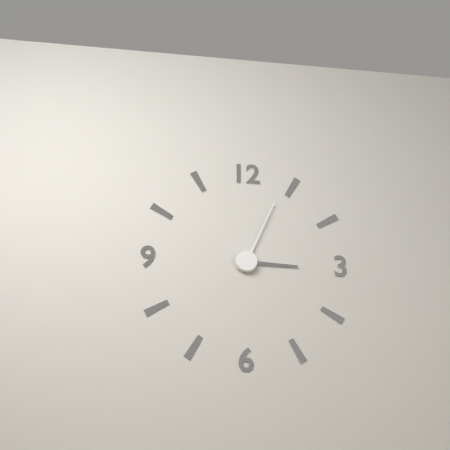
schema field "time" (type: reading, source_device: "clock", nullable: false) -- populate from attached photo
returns 3:04
